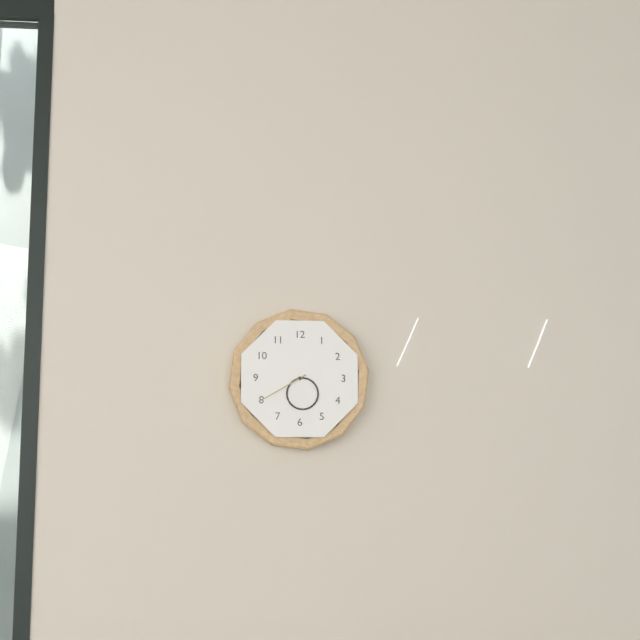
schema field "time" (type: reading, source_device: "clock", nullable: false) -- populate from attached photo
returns 5:40
